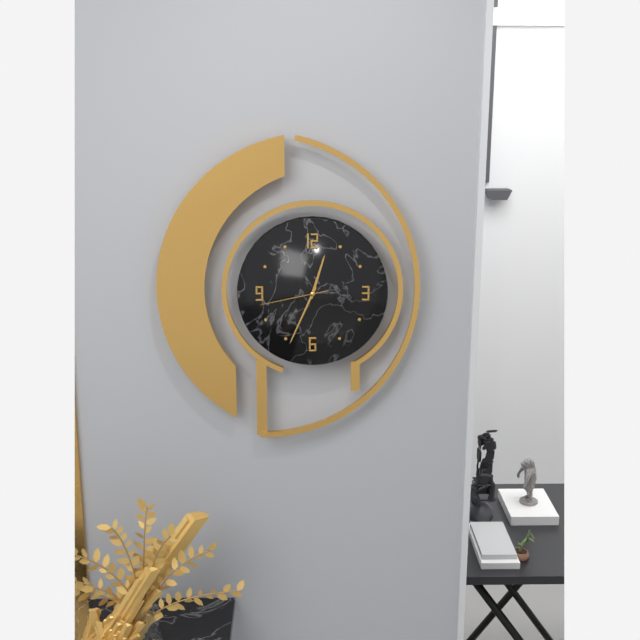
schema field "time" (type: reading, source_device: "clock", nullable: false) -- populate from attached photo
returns 12:34:43
